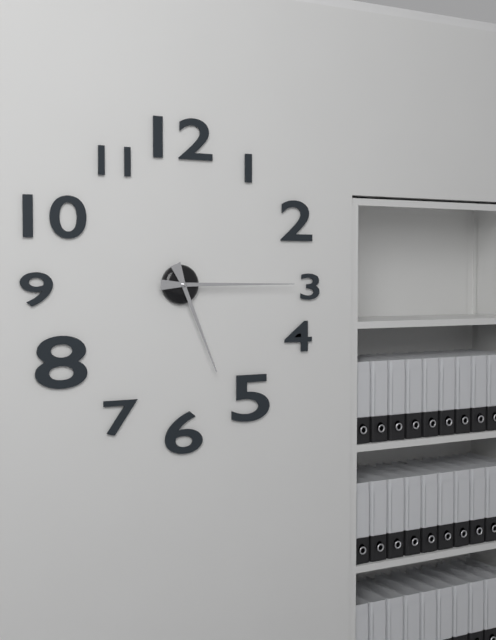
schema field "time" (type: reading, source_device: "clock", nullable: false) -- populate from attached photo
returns 5:15
